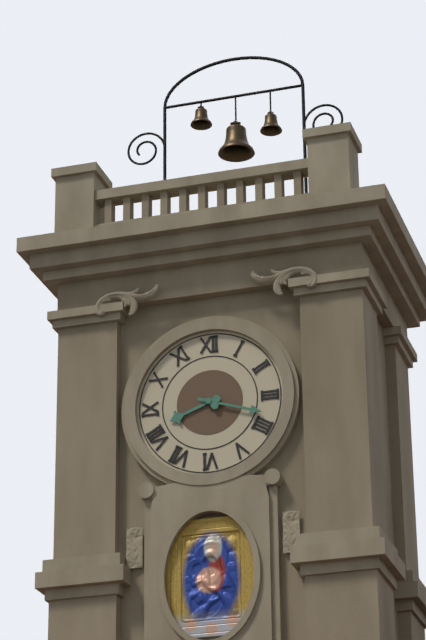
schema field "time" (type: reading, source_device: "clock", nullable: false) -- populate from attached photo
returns 8:18
